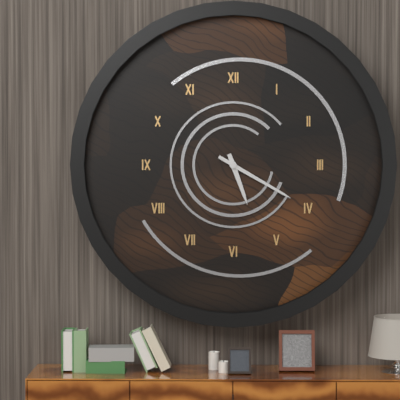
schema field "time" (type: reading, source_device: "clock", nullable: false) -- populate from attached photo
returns 5:20
